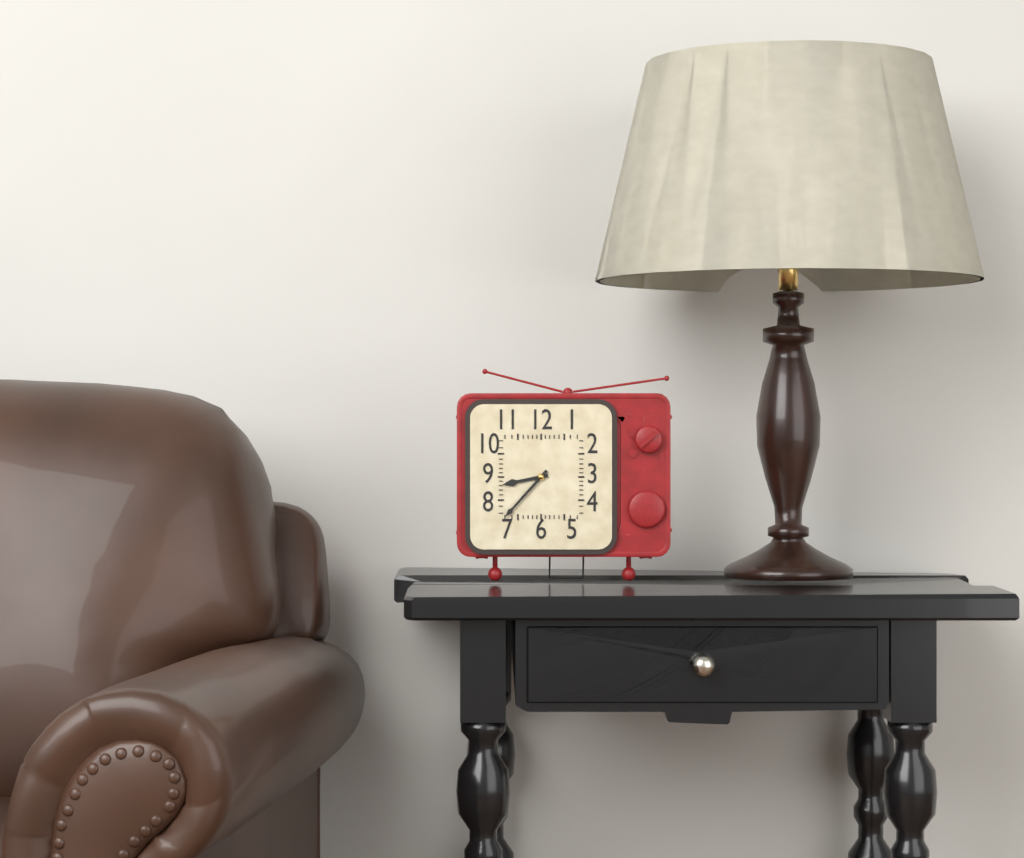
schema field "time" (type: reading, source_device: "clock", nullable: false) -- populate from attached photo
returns 8:37
